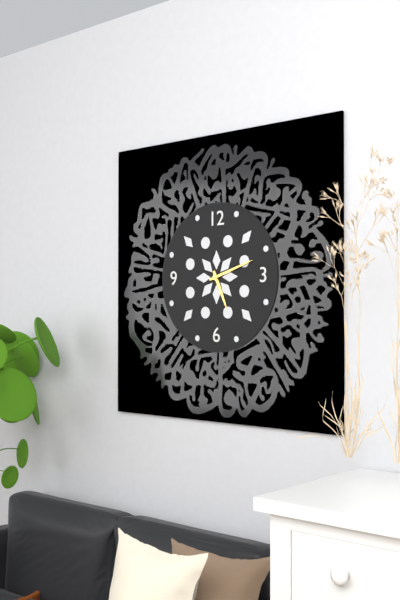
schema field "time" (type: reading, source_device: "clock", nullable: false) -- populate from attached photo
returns 5:12
